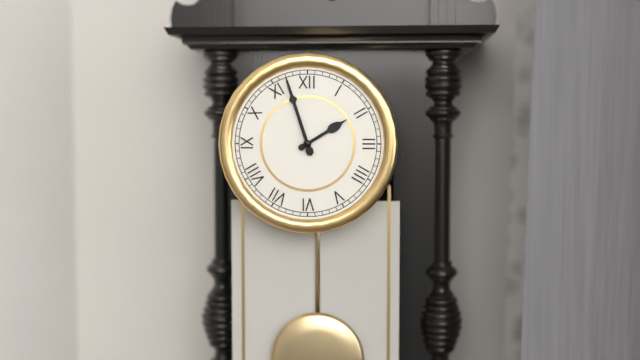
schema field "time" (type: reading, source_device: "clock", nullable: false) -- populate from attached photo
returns 1:57
